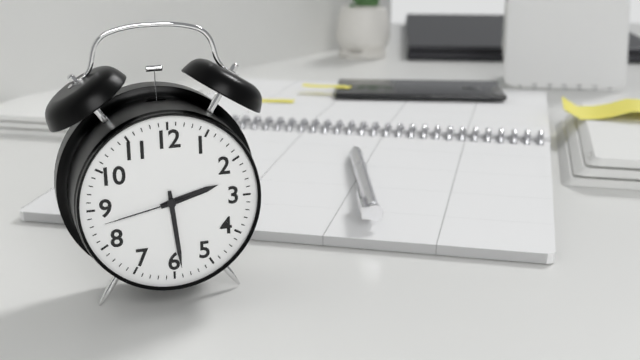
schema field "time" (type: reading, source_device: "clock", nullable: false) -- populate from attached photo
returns 2:29:43
